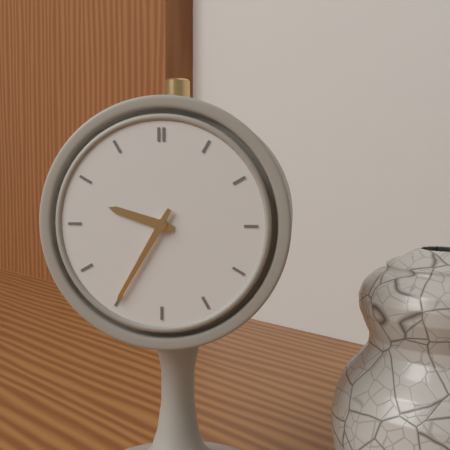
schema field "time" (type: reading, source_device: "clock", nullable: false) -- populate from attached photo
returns 9:35
